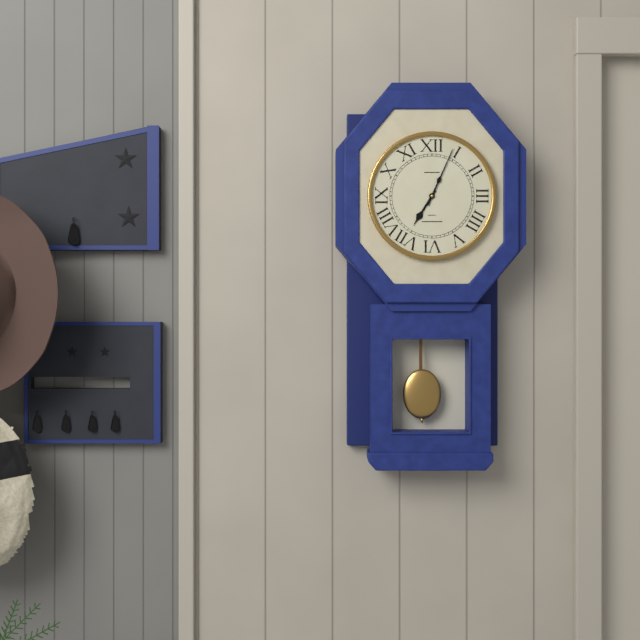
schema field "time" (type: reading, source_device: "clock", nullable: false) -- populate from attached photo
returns 7:04
